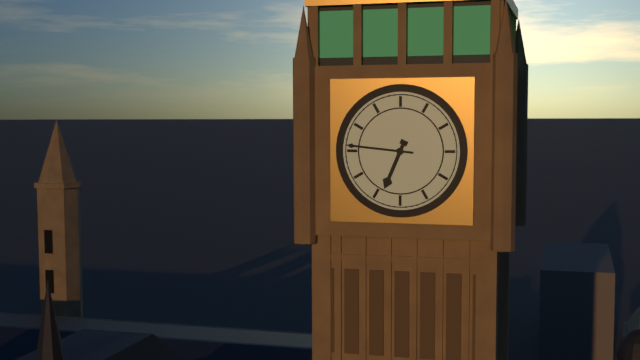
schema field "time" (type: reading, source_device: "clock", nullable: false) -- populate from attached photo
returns 6:46
